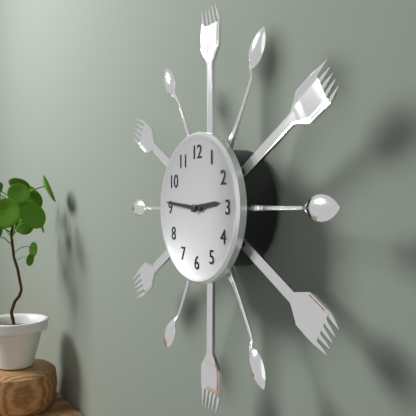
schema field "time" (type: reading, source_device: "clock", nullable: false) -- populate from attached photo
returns 2:46
